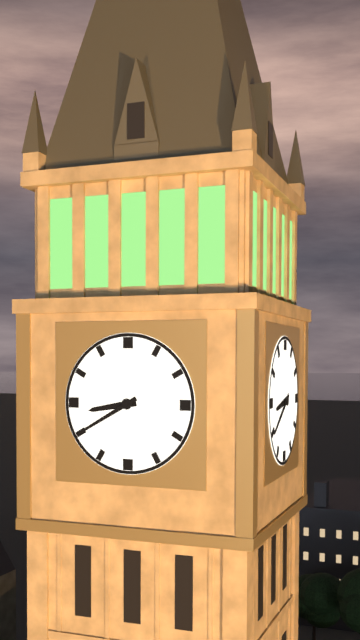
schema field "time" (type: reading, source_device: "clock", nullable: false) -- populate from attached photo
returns 8:40
